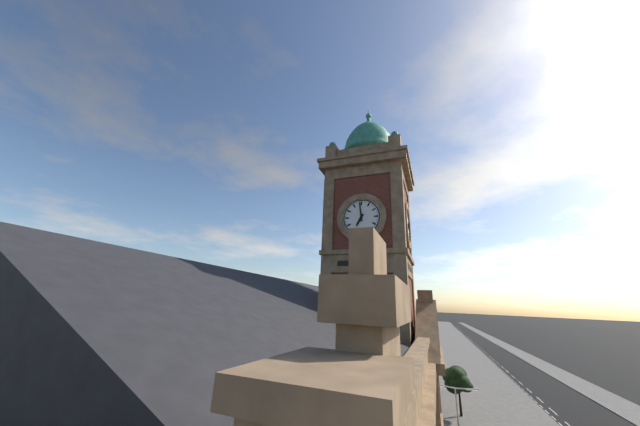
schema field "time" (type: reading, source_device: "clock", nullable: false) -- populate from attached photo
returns 6:59
